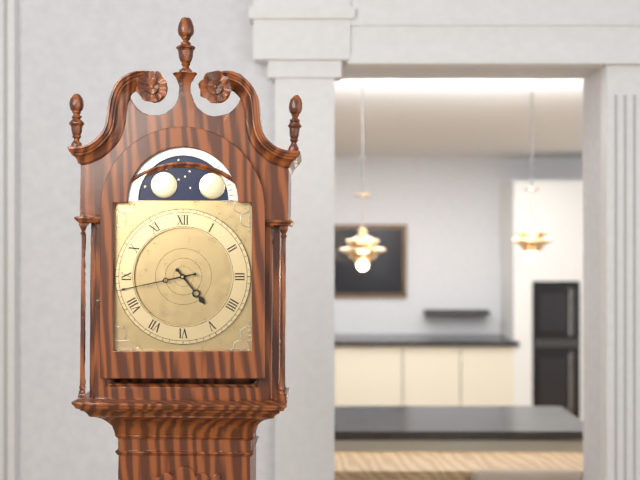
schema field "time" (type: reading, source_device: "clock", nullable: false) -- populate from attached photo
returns 4:43
